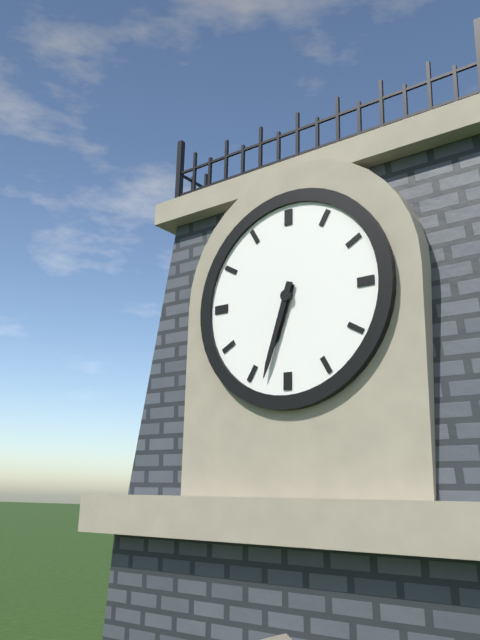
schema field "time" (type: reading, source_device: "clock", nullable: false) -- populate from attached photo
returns 6:33
